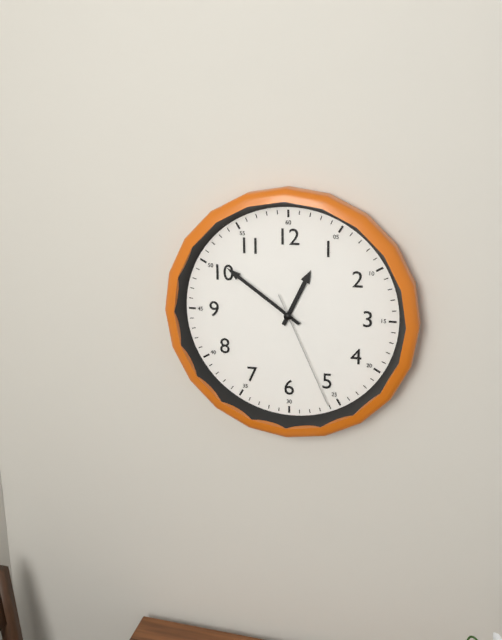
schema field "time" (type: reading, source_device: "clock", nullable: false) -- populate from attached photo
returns 12:51:26
